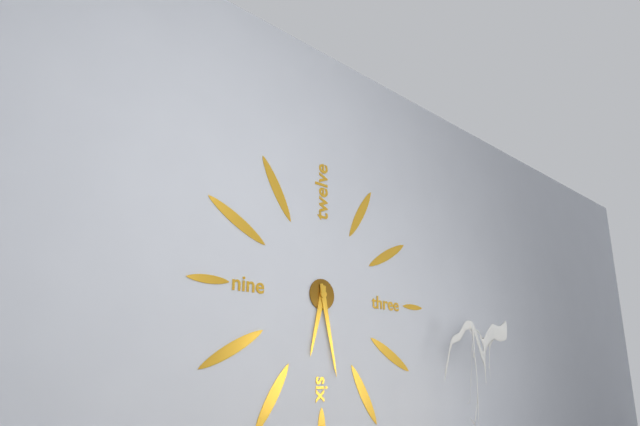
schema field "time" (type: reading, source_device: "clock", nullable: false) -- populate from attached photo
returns 6:28
